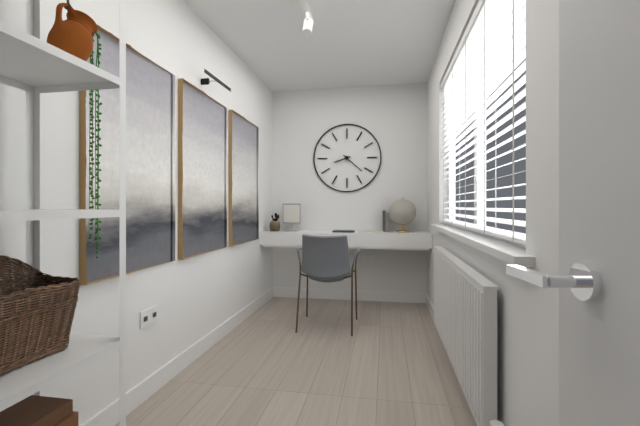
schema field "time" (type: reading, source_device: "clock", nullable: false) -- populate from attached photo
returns 8:22
